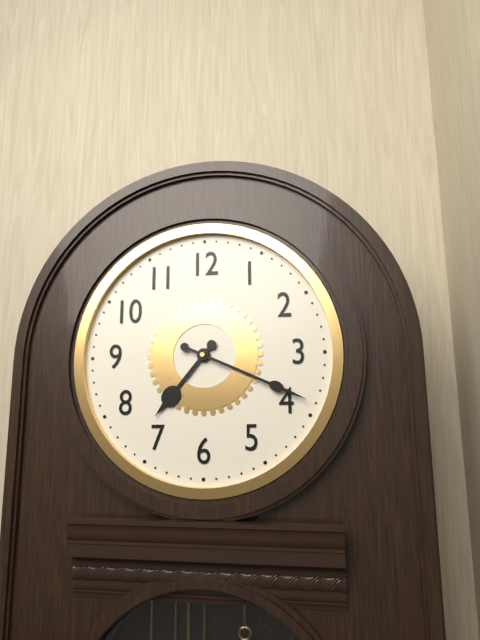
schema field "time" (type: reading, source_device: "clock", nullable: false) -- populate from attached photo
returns 7:19
